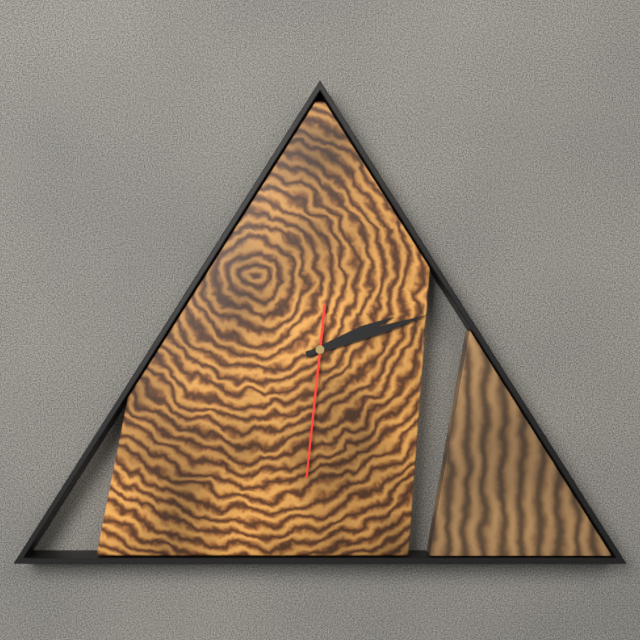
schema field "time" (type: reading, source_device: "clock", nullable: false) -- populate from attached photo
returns 2:12:31
